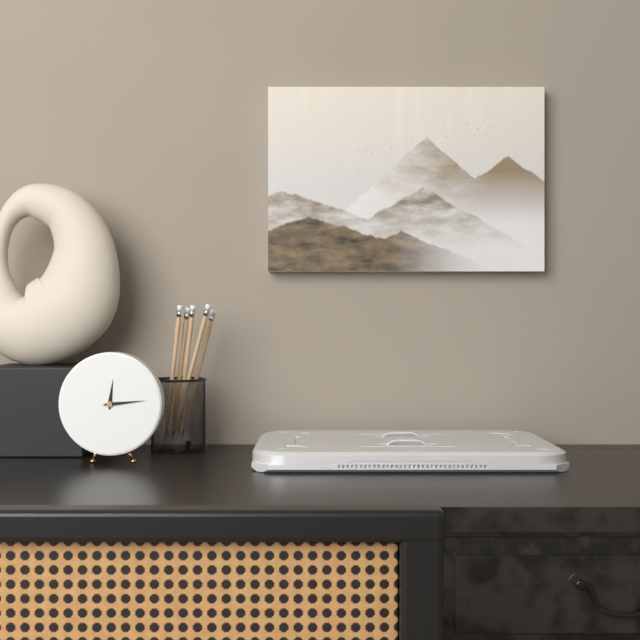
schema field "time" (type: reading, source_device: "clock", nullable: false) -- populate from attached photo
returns 12:14
